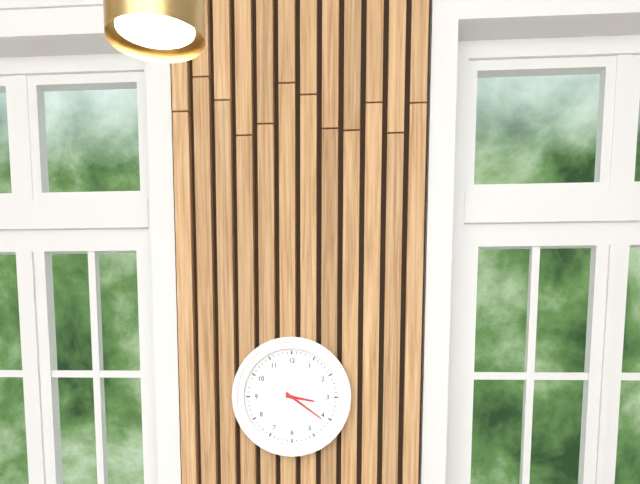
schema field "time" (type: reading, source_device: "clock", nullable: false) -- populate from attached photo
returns 3:21
